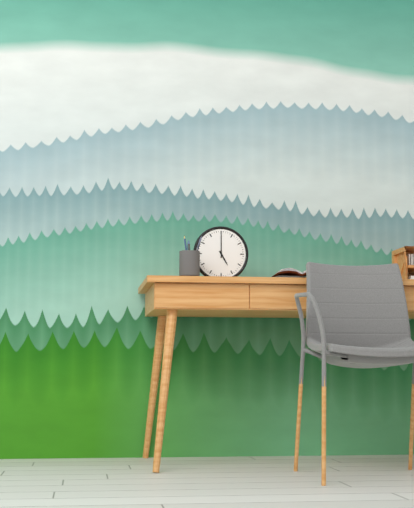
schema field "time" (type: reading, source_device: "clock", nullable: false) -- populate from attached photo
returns 5:00
